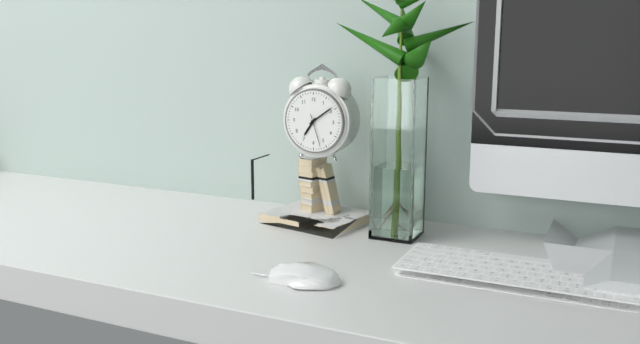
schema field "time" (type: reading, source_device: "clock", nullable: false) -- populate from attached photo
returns 7:09
